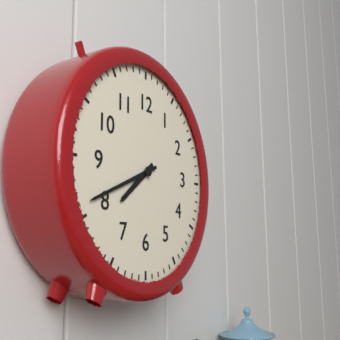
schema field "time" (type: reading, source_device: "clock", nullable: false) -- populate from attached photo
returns 7:41
